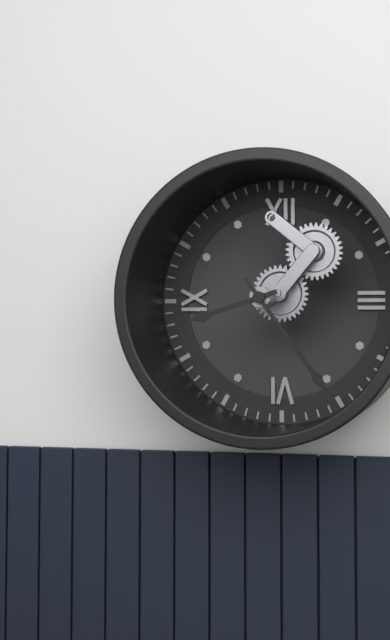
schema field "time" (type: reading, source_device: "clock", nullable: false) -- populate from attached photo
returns 8:24
